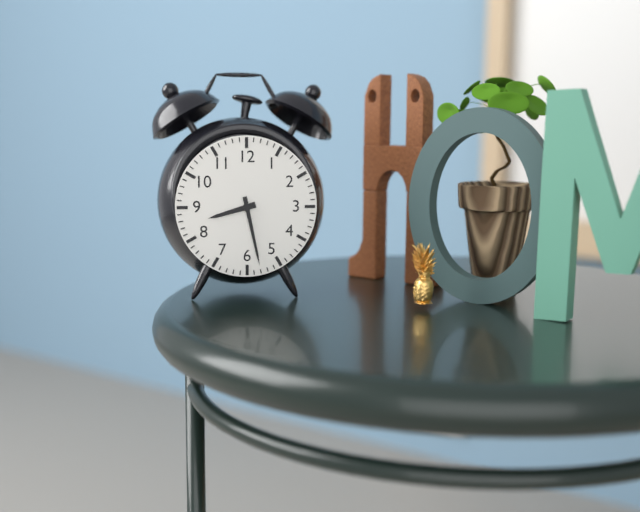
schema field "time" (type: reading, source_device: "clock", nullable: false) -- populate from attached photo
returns 8:28
